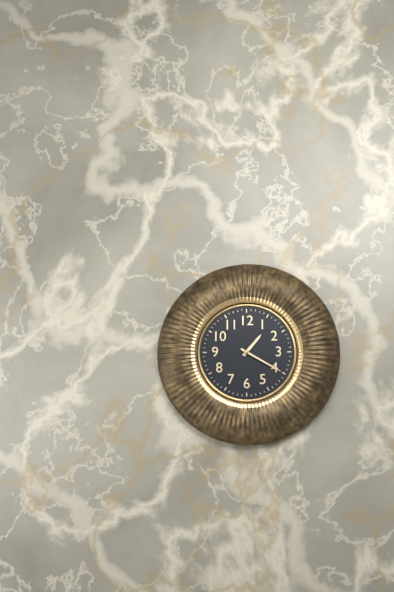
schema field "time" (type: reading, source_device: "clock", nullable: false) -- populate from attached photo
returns 1:20
